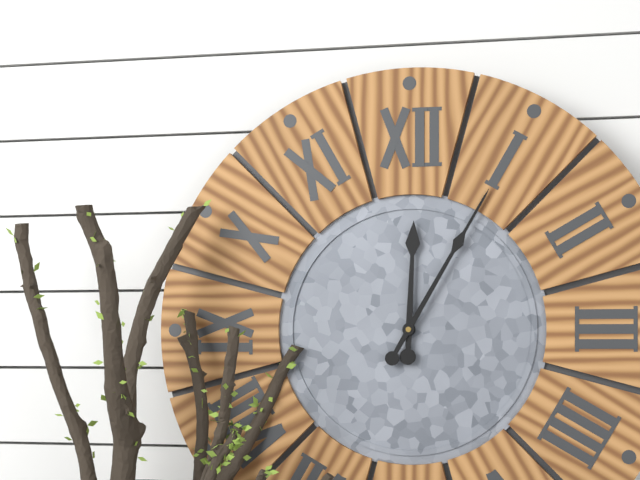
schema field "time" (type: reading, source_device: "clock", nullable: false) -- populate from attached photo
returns 12:05
